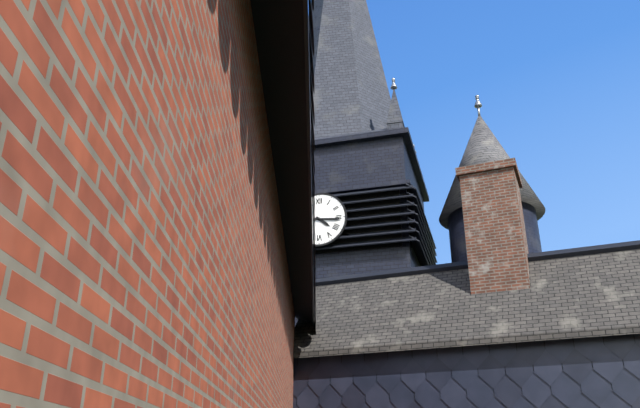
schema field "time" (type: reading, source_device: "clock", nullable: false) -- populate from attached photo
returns 4:16
